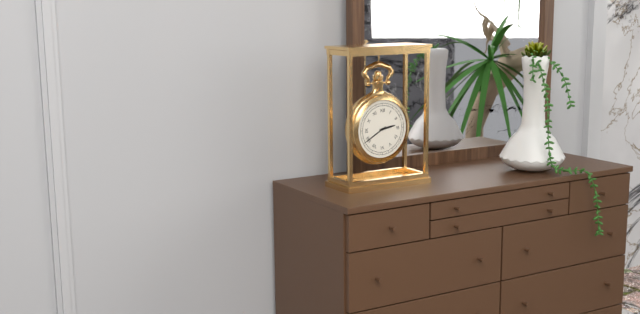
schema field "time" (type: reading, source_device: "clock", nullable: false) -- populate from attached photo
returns 2:40
